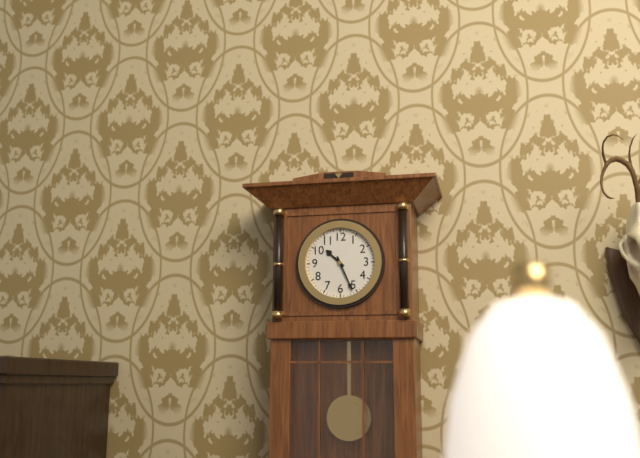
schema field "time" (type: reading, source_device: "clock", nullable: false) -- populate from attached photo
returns 10:26
